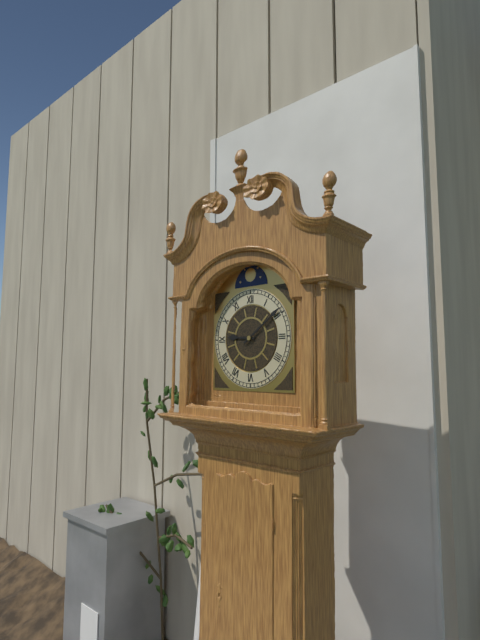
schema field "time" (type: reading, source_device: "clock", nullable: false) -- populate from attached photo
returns 9:09
